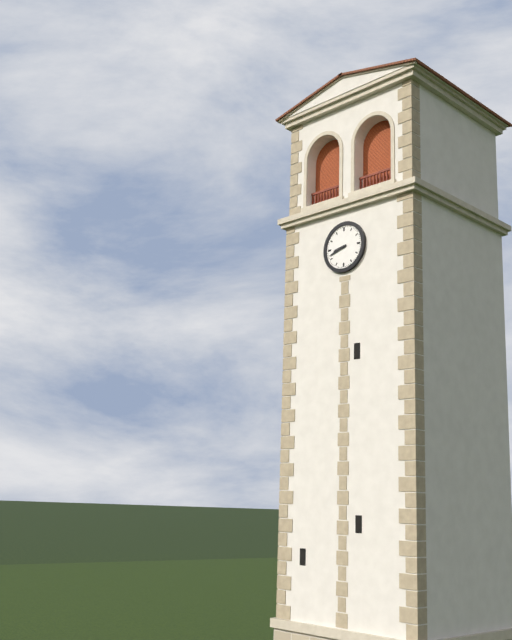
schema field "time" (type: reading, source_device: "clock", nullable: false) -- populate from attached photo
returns 8:42
